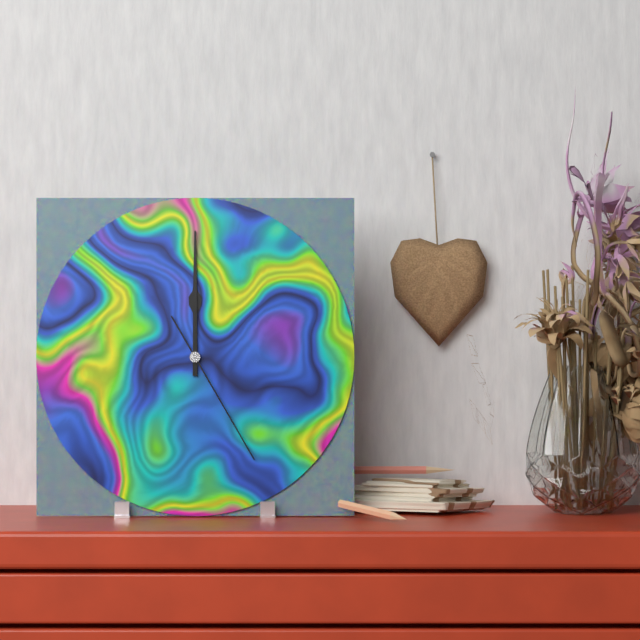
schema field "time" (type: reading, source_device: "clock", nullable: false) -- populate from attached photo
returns 12:00:25
